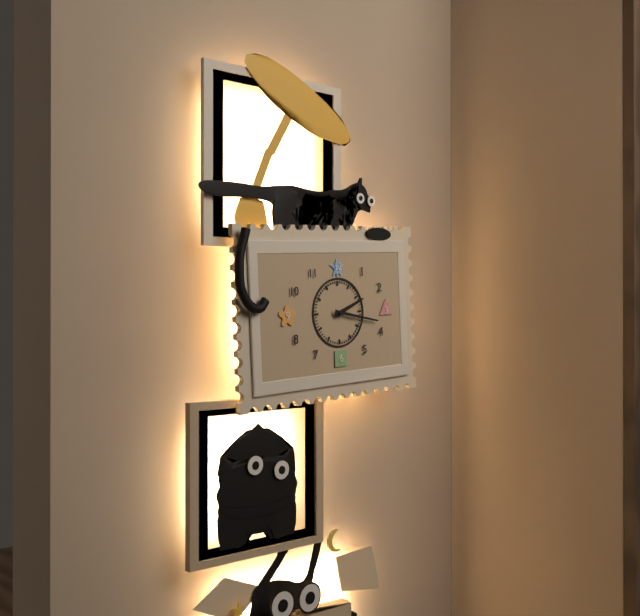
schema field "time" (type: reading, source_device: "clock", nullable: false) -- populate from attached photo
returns 2:17
